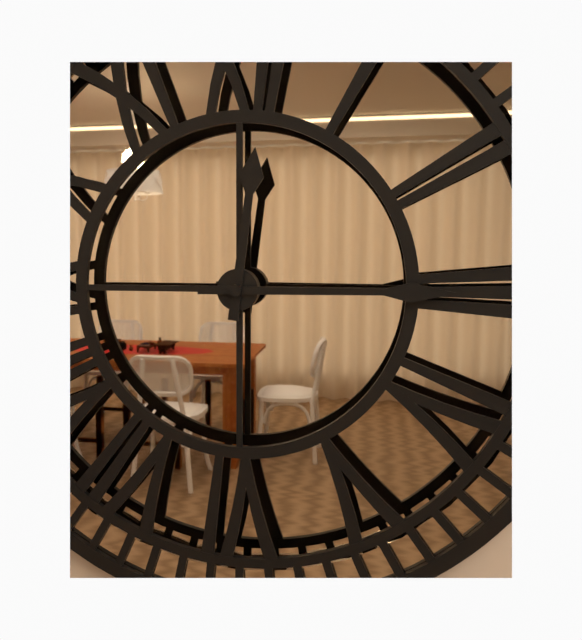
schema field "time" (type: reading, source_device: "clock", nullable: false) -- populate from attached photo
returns 12:15
